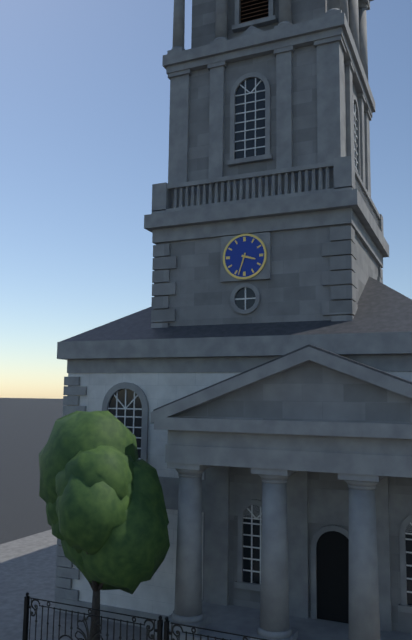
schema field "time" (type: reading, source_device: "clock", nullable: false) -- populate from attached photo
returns 3:33
